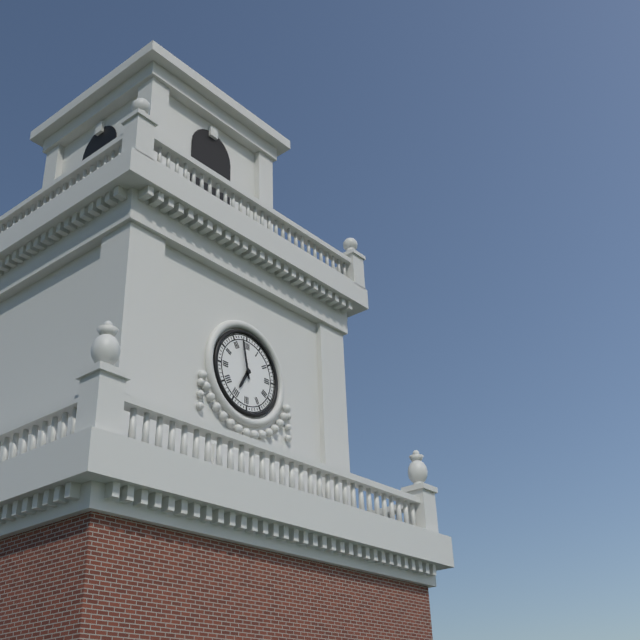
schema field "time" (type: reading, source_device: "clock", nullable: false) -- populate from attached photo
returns 6:58
